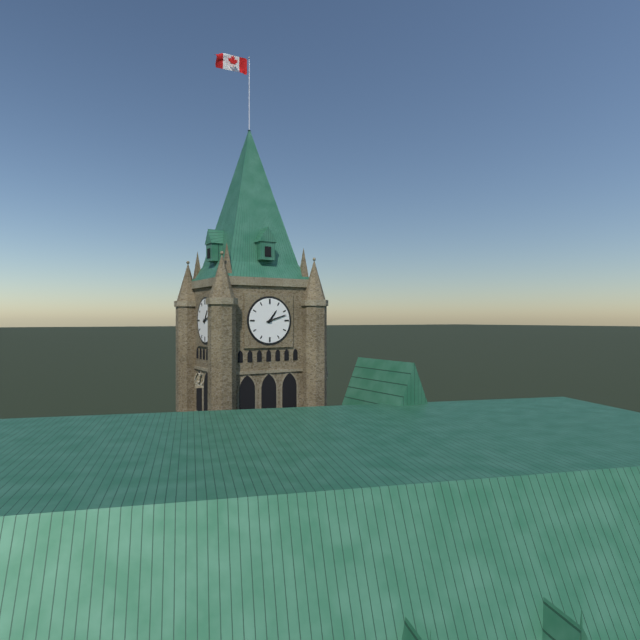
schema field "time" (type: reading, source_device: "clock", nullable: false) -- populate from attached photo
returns 1:12
